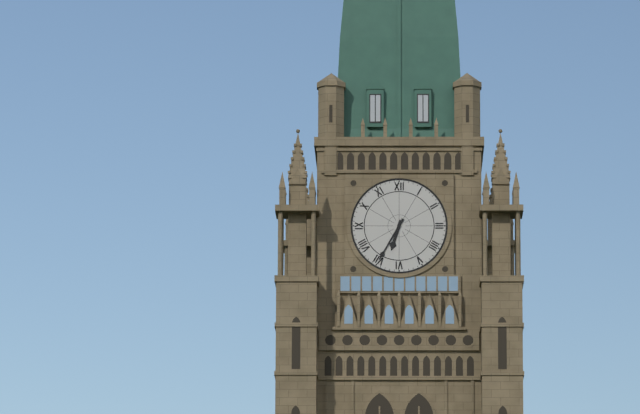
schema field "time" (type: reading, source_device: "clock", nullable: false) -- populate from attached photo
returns 6:35
